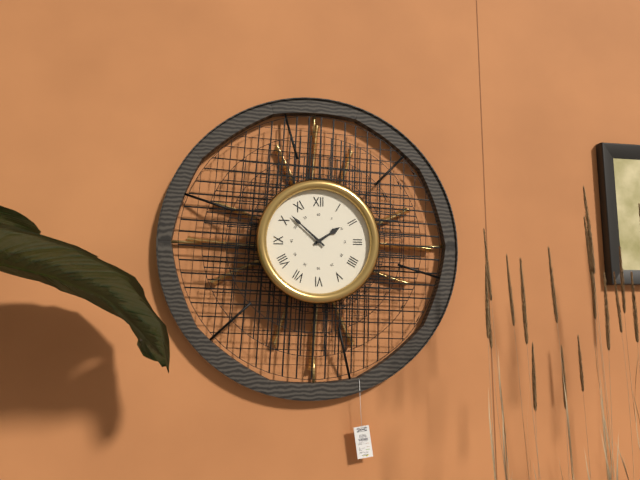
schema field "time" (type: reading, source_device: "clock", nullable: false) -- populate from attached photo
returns 1:52
